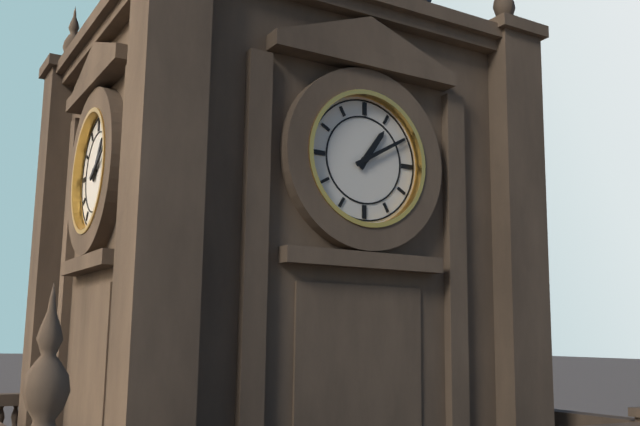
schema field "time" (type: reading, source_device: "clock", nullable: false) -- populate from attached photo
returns 1:10
